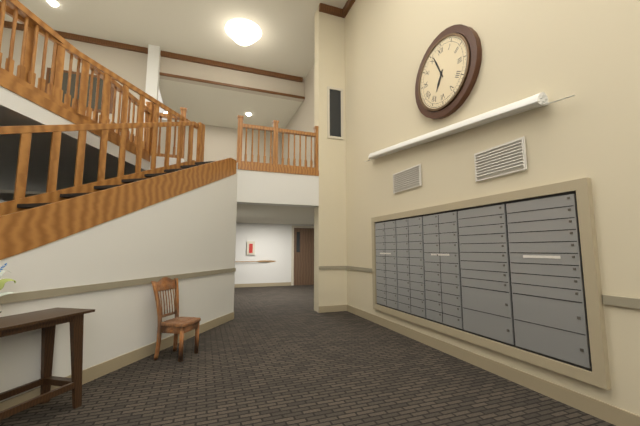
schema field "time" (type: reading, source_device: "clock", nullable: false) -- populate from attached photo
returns 6:56
